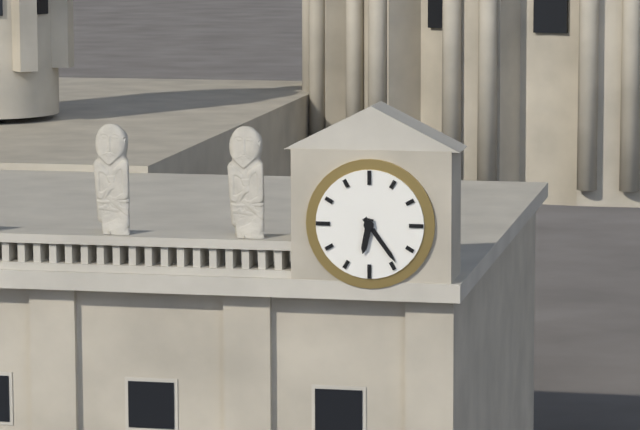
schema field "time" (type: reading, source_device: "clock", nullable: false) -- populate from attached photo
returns 6:24
